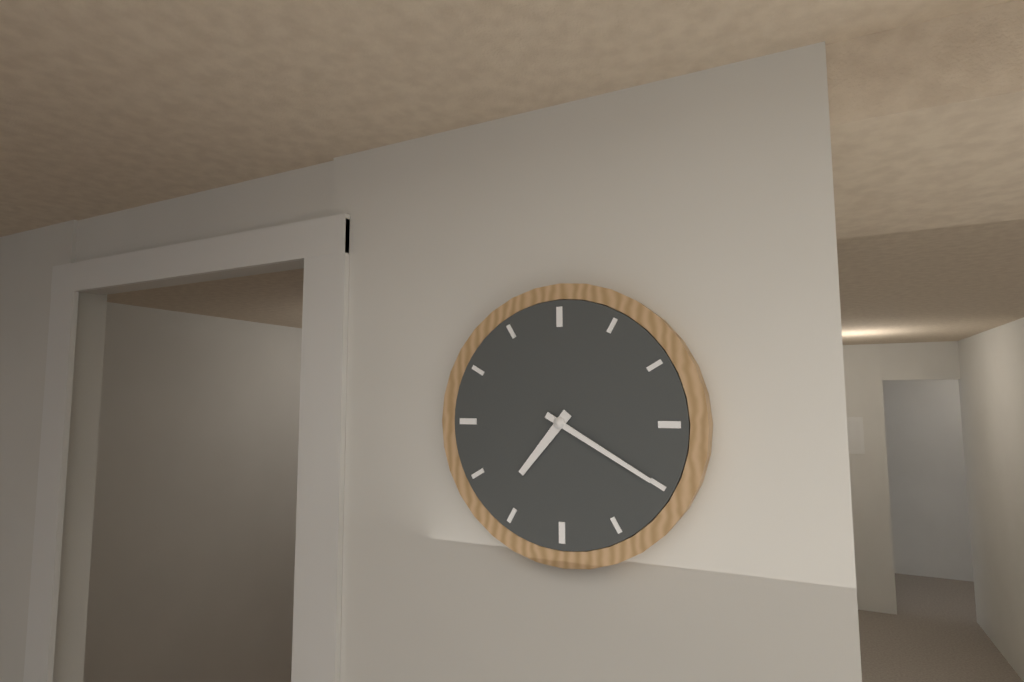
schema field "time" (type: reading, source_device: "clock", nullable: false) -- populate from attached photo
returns 7:20
